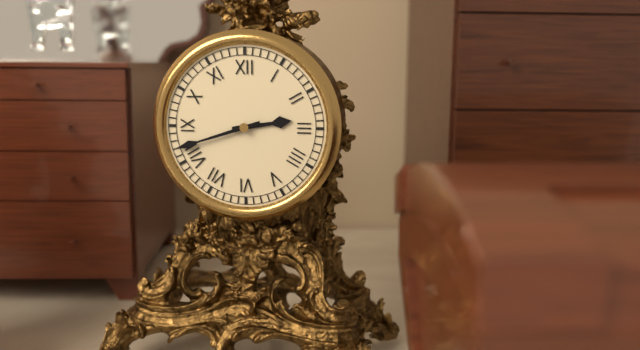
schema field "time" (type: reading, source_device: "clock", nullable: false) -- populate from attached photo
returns 2:42
